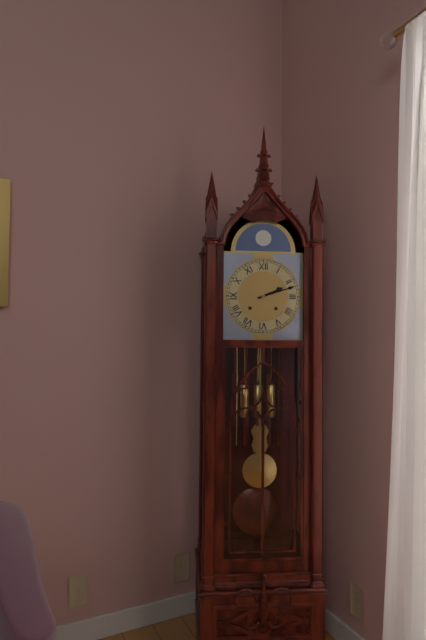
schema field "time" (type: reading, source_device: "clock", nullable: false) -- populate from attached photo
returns 2:12
